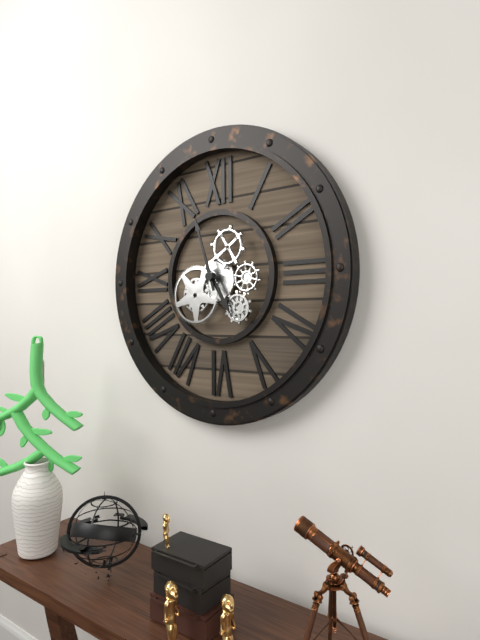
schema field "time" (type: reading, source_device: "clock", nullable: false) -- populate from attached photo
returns 4:57
